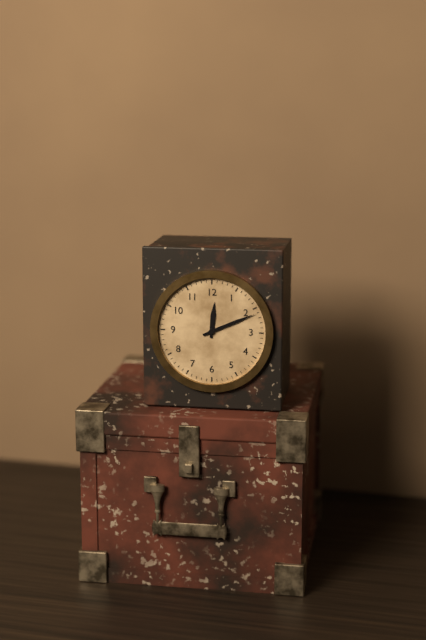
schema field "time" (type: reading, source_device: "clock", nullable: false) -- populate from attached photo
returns 12:11
